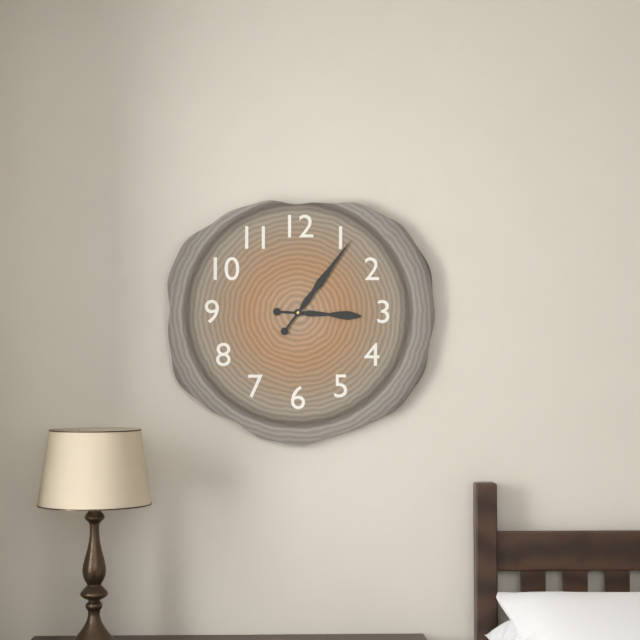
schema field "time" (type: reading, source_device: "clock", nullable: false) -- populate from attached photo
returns 3:06
